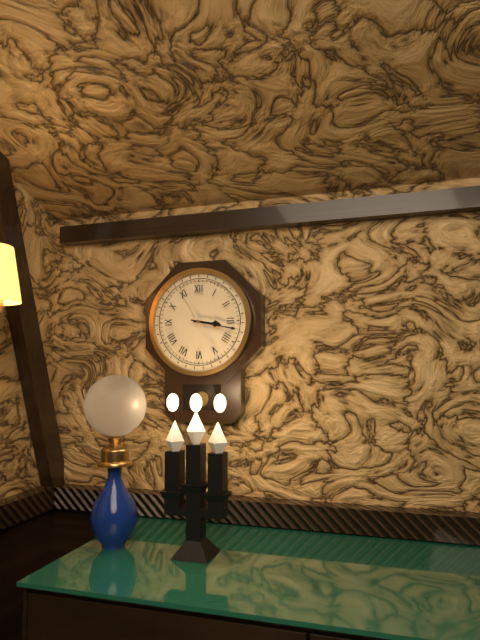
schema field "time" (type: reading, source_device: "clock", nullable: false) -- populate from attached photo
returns 3:17
